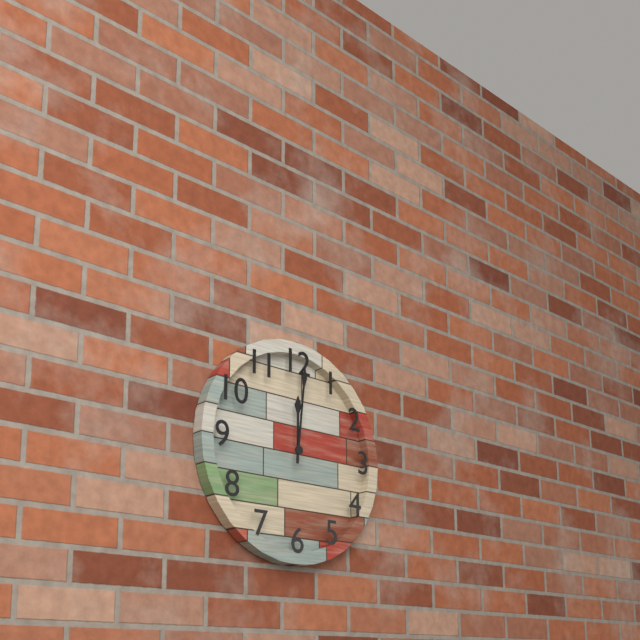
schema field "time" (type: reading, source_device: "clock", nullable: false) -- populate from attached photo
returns 12:01
